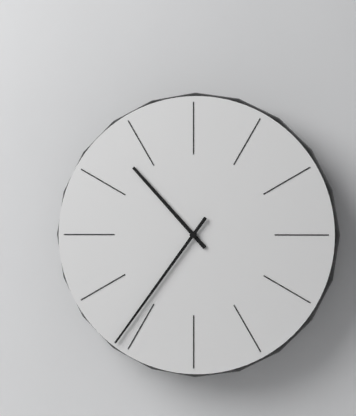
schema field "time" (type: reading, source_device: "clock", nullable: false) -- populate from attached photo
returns 10:36
